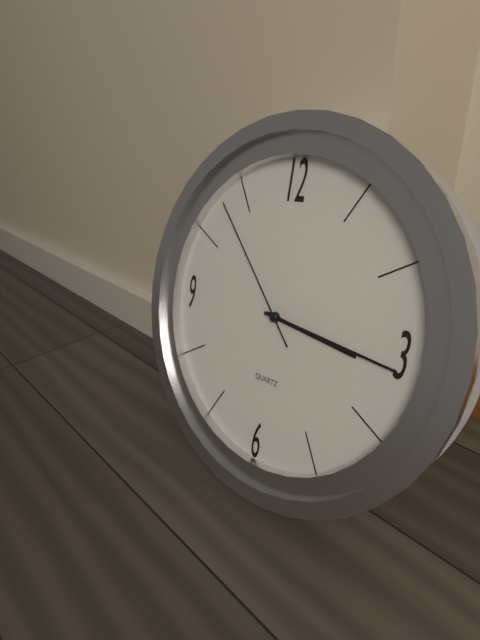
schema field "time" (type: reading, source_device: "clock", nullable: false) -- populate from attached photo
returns 3:16:53
